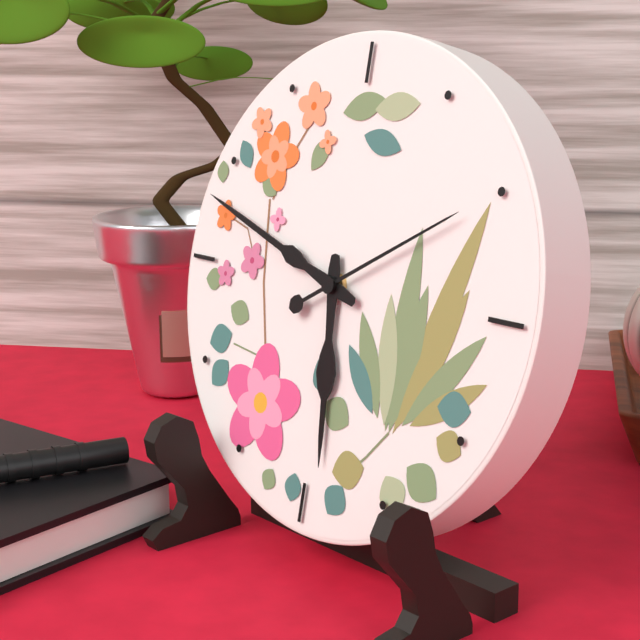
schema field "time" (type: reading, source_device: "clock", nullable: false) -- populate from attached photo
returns 5:48:10
